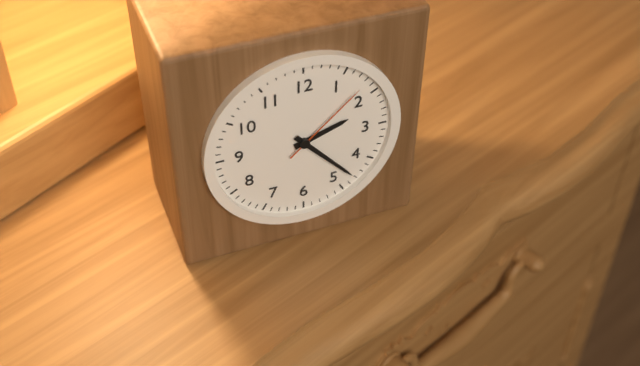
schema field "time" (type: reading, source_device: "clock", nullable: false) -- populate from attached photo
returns 2:23:08
